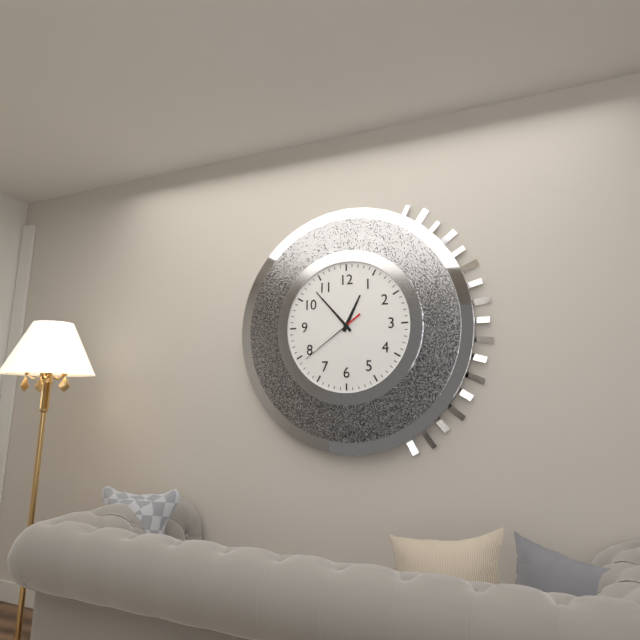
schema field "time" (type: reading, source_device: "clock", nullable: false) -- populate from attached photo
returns 12:53:39
